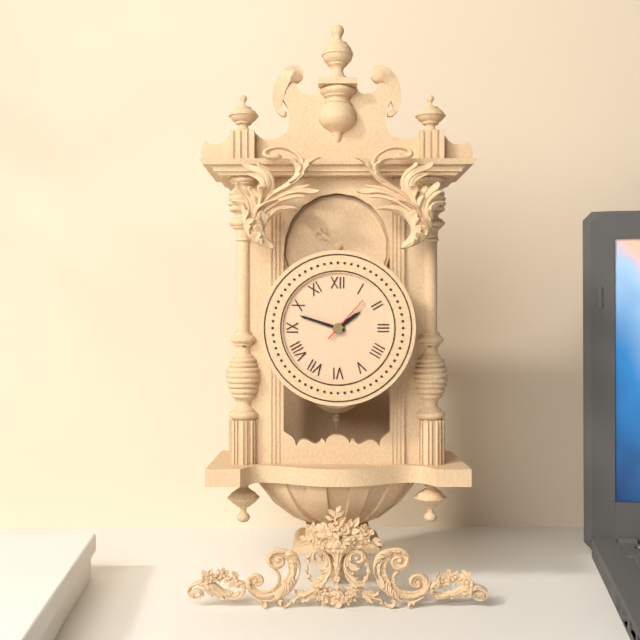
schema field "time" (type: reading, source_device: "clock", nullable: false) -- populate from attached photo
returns 1:48
